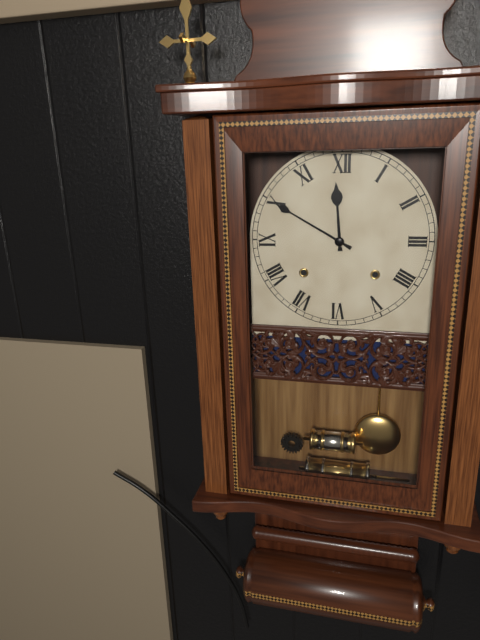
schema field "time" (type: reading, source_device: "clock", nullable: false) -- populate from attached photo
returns 11:50
